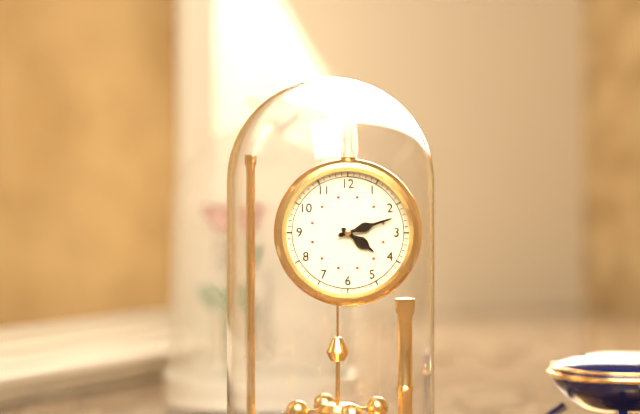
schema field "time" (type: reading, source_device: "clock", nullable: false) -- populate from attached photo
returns 4:12
